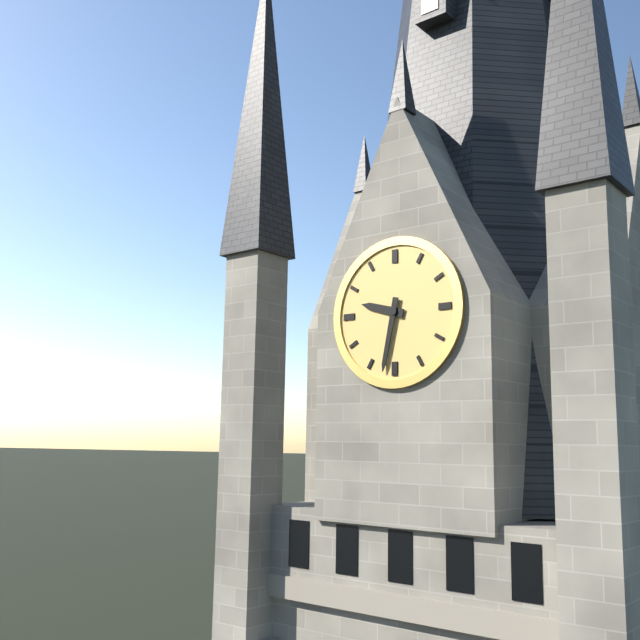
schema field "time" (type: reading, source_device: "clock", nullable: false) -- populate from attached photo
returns 9:32
